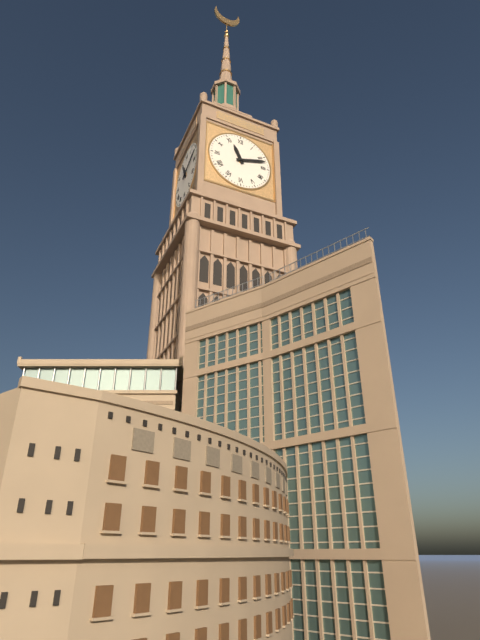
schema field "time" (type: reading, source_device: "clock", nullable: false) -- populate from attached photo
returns 11:12
